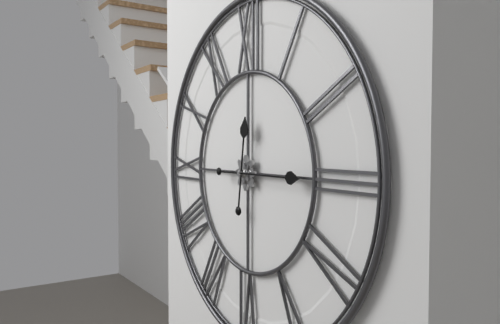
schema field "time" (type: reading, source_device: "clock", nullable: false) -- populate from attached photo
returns 12:15
